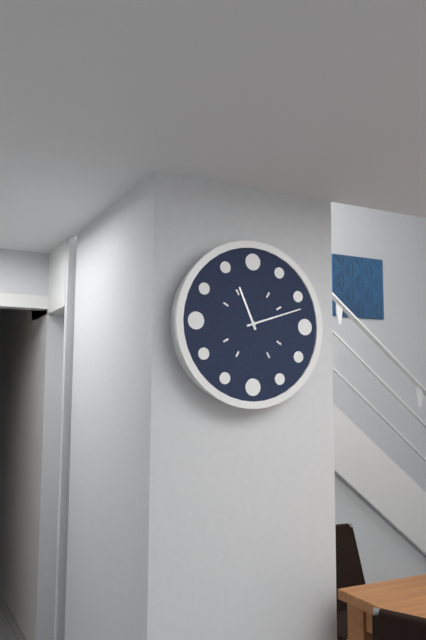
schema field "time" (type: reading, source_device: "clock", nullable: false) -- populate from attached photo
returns 11:12
